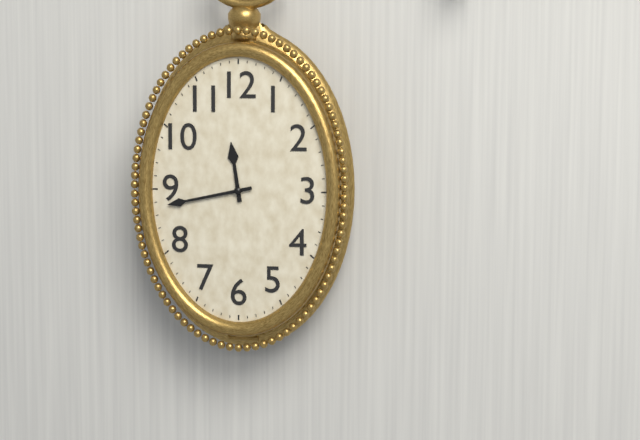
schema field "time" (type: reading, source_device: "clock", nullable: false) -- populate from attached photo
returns 11:43
